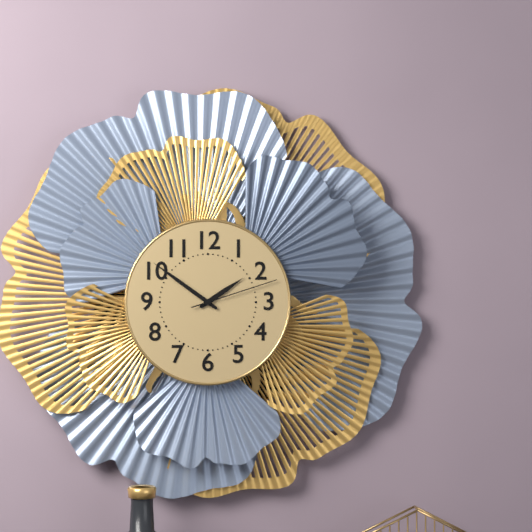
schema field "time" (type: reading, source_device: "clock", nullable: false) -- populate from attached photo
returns 1:51:12
